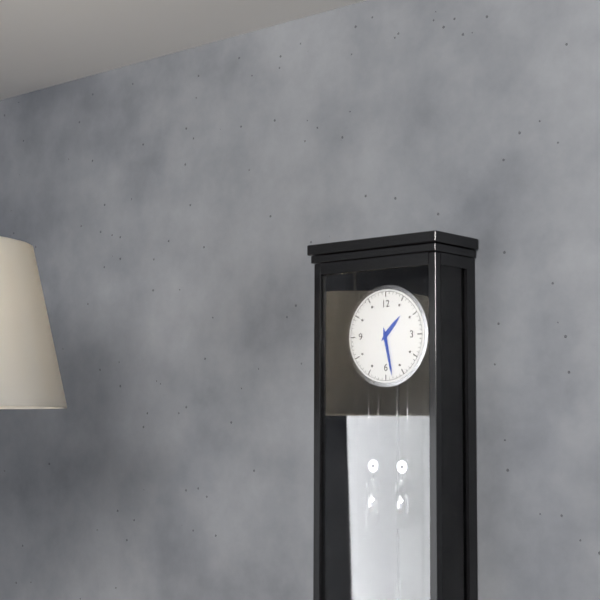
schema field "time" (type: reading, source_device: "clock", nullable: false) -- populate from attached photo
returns 1:28
